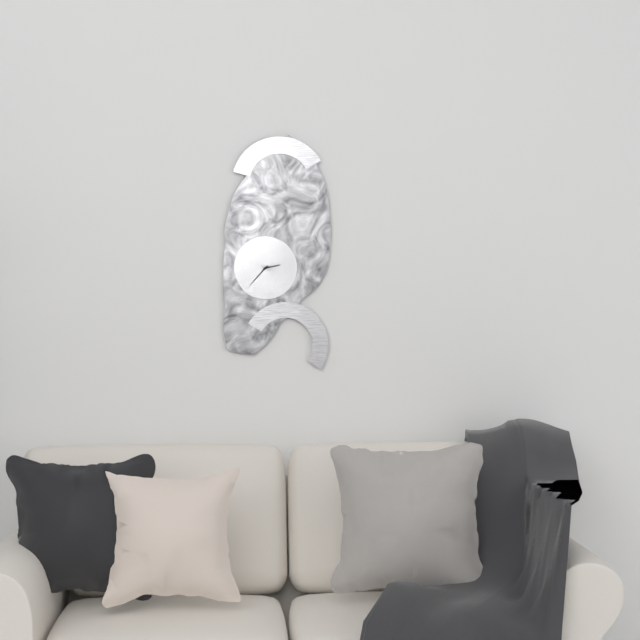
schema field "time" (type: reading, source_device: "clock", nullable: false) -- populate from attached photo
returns 2:37
